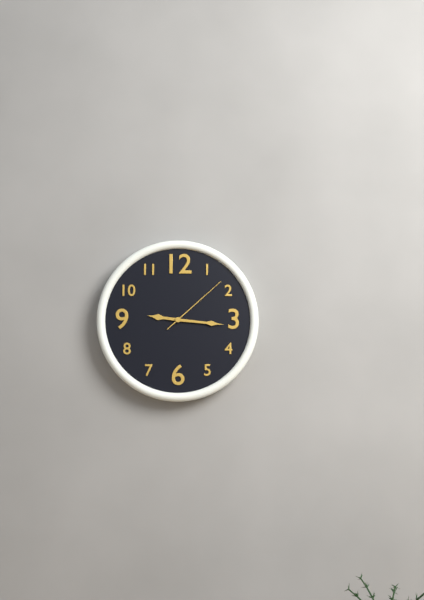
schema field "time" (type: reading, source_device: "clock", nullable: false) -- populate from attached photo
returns 9:16:08
